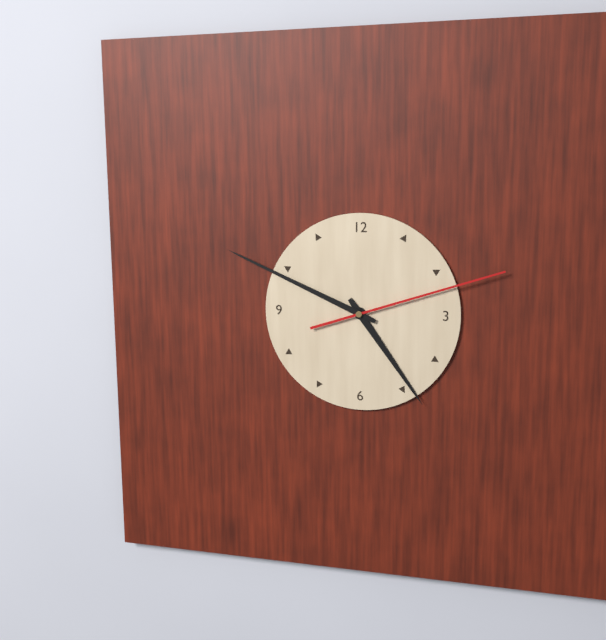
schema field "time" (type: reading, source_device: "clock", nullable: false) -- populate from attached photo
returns 4:49:12
